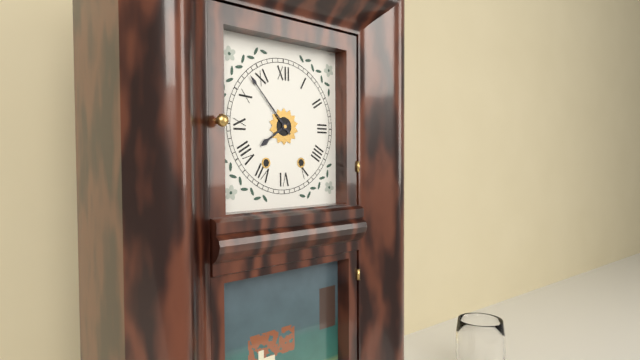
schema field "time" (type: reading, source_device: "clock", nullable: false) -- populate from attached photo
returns 7:53
